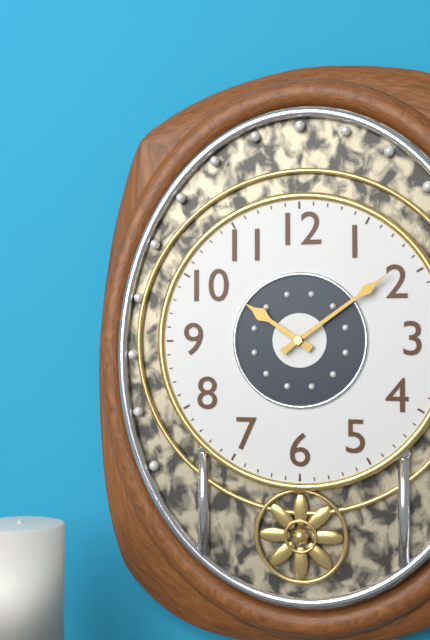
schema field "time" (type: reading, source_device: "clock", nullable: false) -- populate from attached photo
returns 10:09
